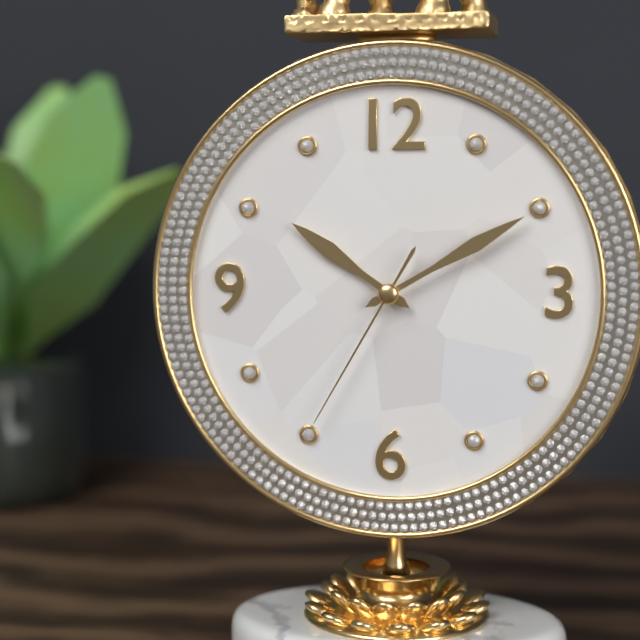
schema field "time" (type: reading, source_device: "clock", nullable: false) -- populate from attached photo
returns 10:10:35
